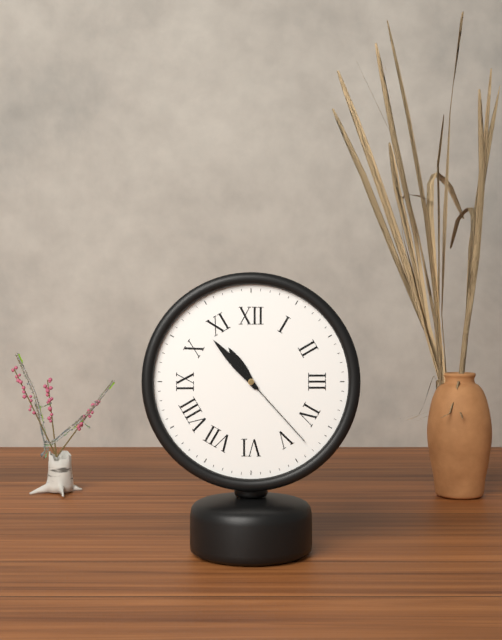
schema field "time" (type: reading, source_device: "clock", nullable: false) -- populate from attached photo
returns 10:53:23
